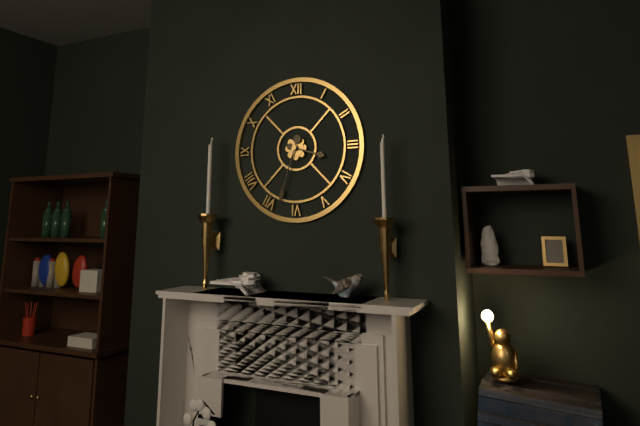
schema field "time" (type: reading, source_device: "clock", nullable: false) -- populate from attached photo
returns 3:33
